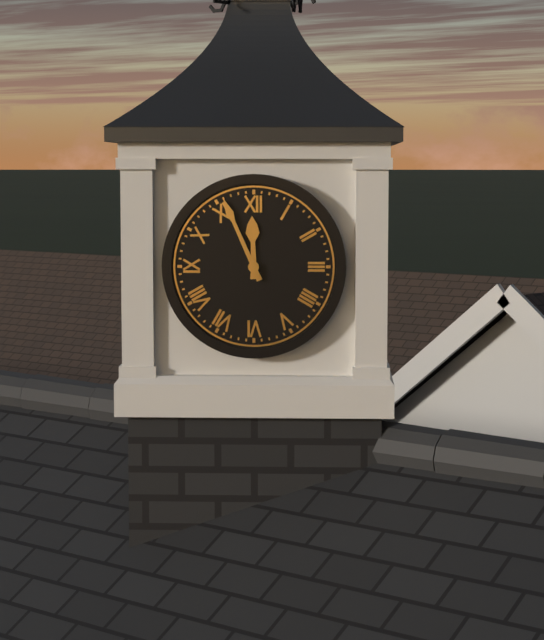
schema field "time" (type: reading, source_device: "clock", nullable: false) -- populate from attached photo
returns 11:56
